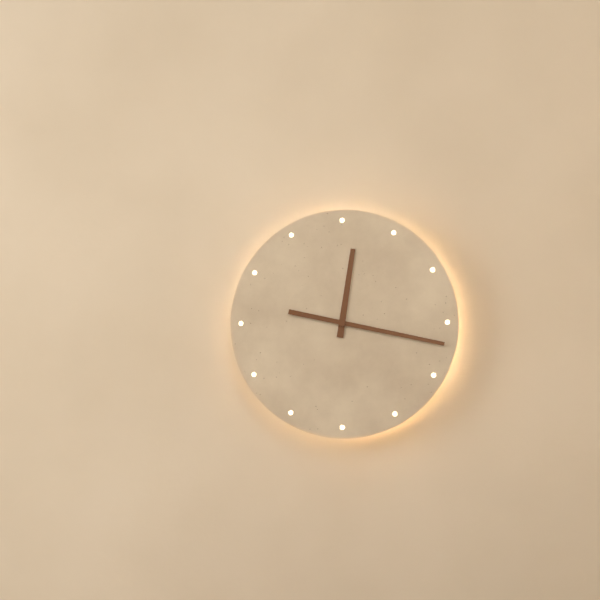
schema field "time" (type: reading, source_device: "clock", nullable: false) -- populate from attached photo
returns 12:17
